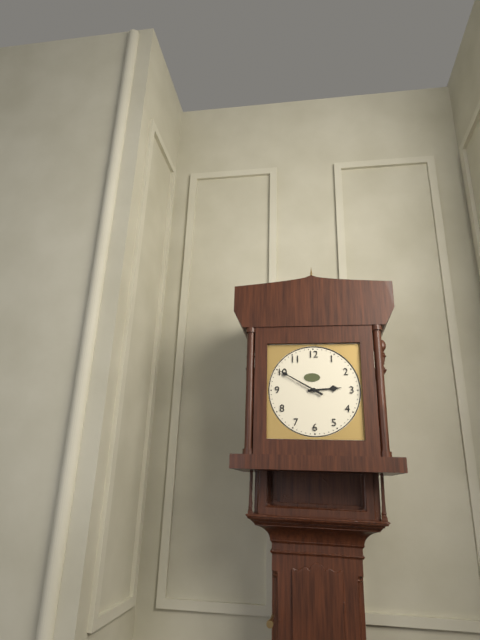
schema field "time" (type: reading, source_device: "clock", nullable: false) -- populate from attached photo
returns 2:50
